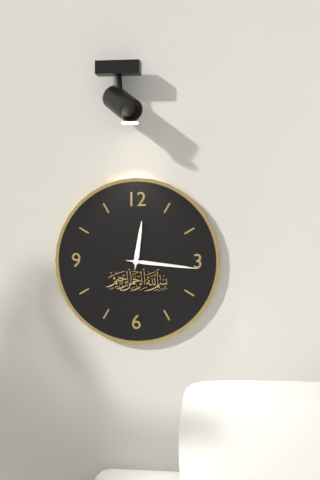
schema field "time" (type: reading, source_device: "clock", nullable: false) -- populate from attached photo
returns 12:16
